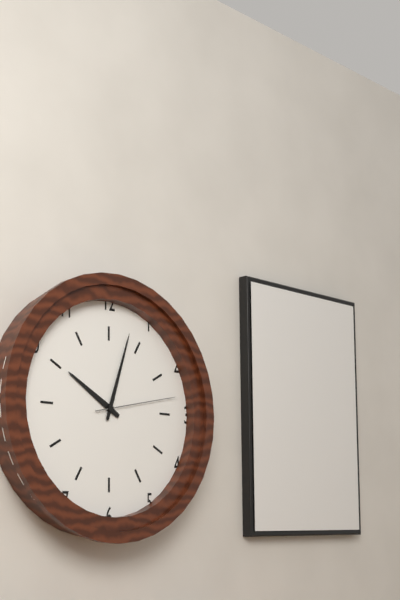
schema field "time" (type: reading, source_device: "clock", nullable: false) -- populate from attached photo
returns 10:03:13
